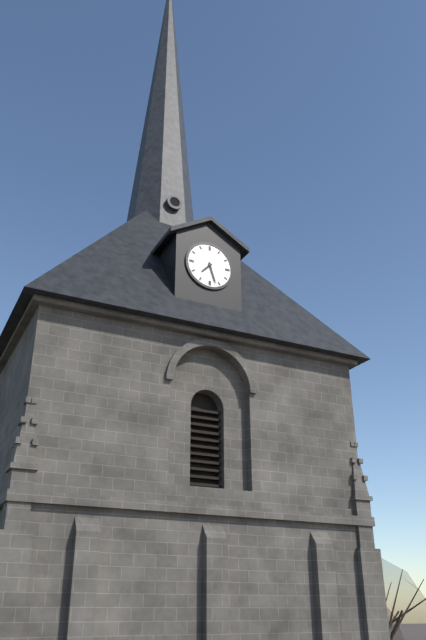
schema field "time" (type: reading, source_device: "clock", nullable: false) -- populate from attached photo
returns 7:27
